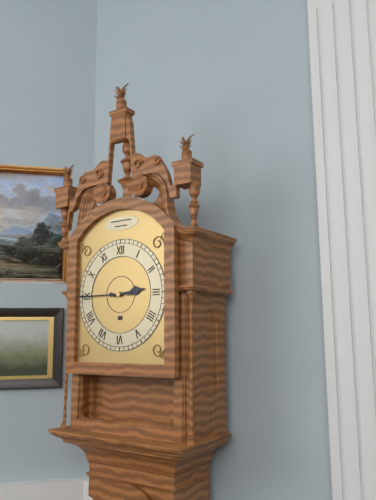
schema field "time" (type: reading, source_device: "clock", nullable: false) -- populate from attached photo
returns 2:45
